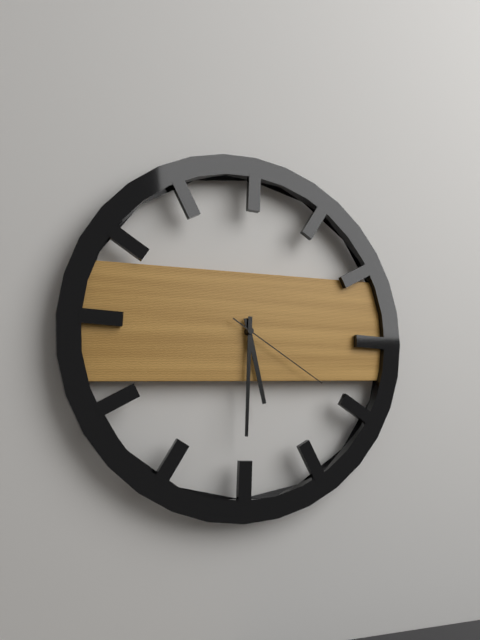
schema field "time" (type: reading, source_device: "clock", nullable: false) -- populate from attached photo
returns 5:30:20
